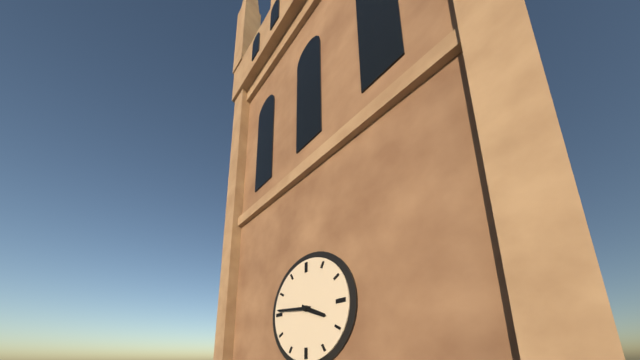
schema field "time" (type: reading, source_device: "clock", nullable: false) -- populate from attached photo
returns 3:46
